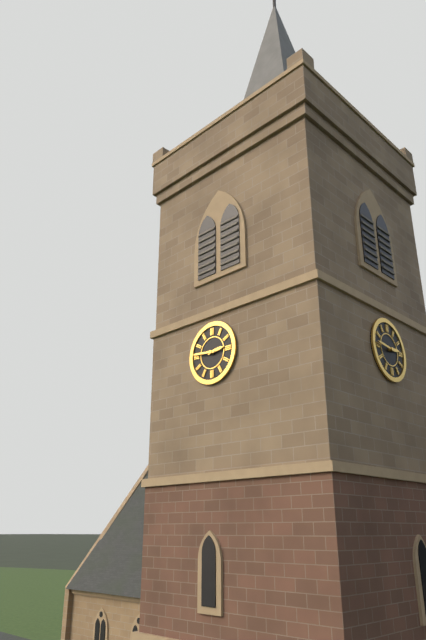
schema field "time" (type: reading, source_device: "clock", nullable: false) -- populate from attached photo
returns 2:46
